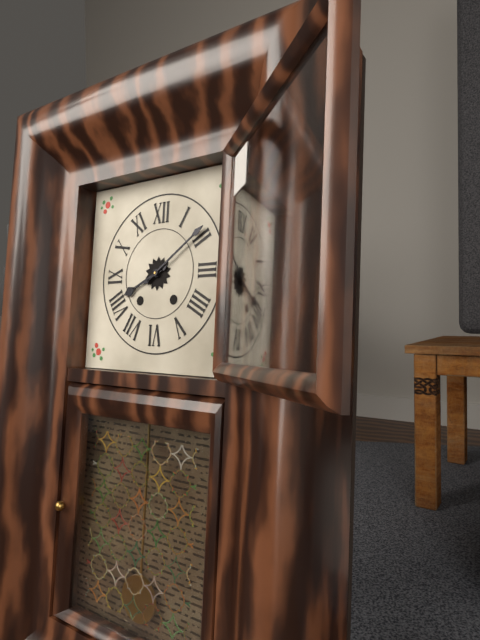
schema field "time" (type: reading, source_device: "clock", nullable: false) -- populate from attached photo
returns 8:09
